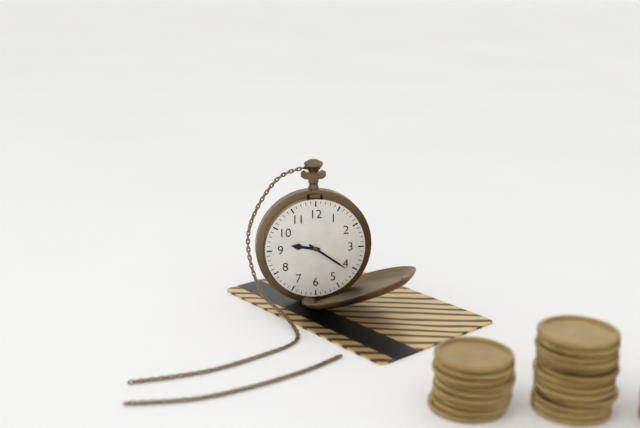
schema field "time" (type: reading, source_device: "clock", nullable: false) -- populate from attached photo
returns 9:21
